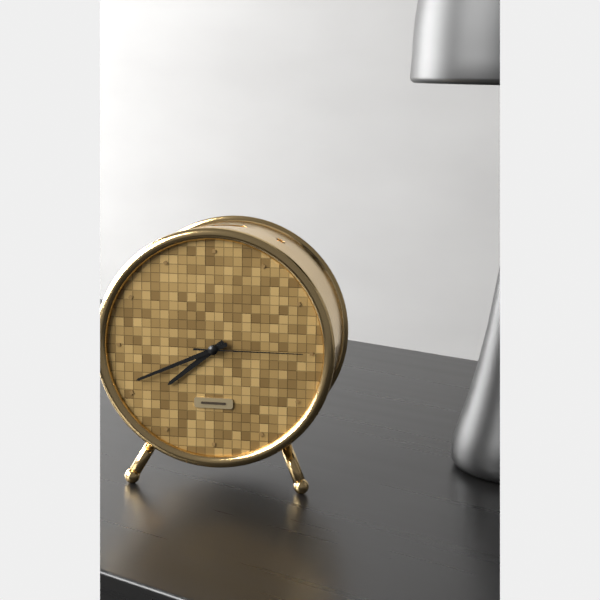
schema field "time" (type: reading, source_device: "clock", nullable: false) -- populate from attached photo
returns 7:41:15
